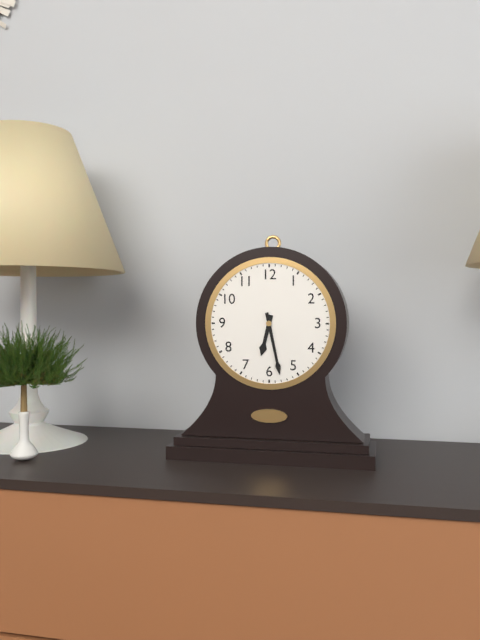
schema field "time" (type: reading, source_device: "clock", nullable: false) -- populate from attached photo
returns 6:28
